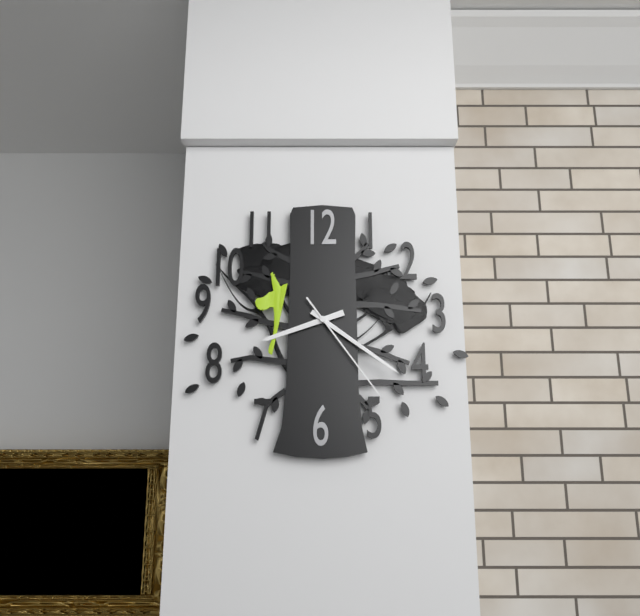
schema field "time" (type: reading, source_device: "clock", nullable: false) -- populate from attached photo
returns 8:21:24
